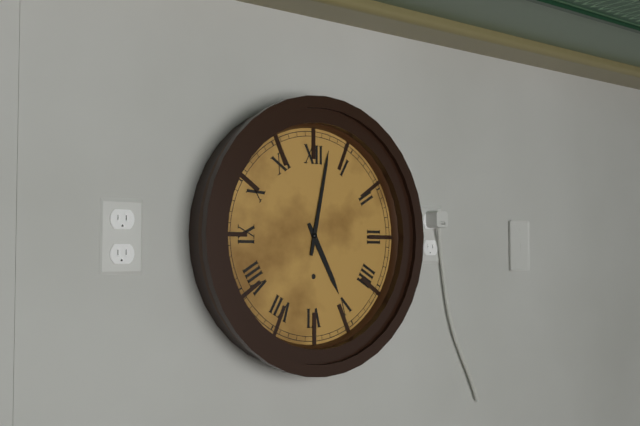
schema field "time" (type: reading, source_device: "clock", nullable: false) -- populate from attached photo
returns 5:02
